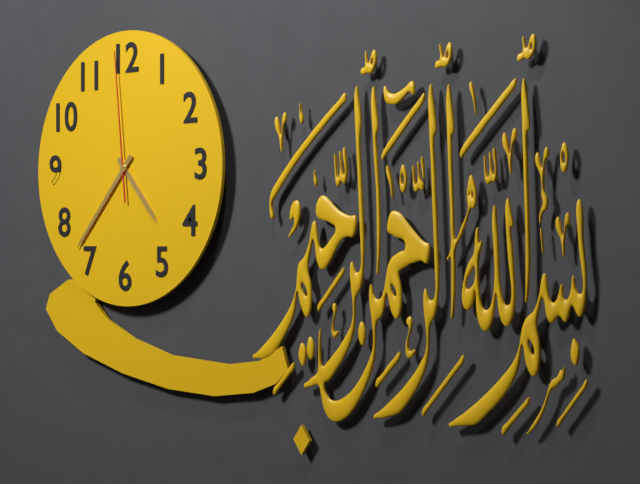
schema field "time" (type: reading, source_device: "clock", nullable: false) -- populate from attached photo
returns 4:37:59
